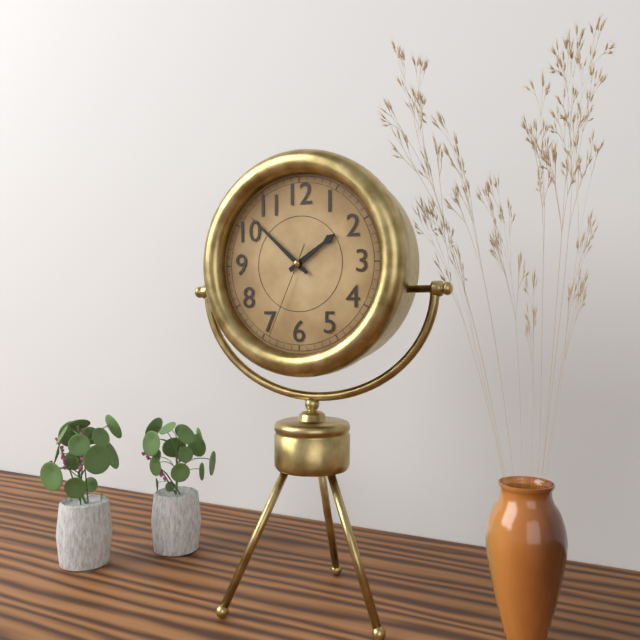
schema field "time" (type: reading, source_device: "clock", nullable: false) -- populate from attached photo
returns 1:52:34
